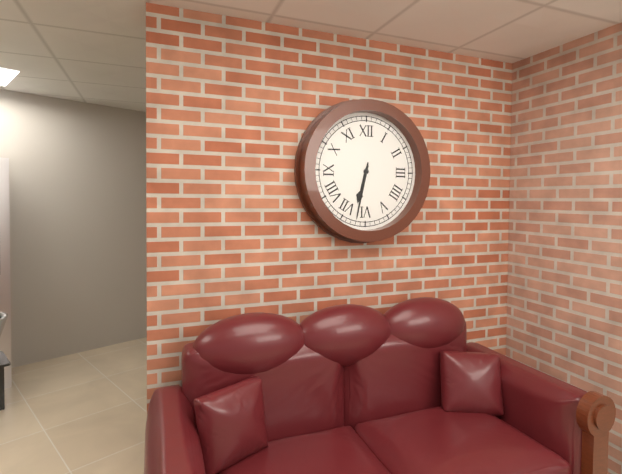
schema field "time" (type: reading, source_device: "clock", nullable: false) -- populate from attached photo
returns 6:32
